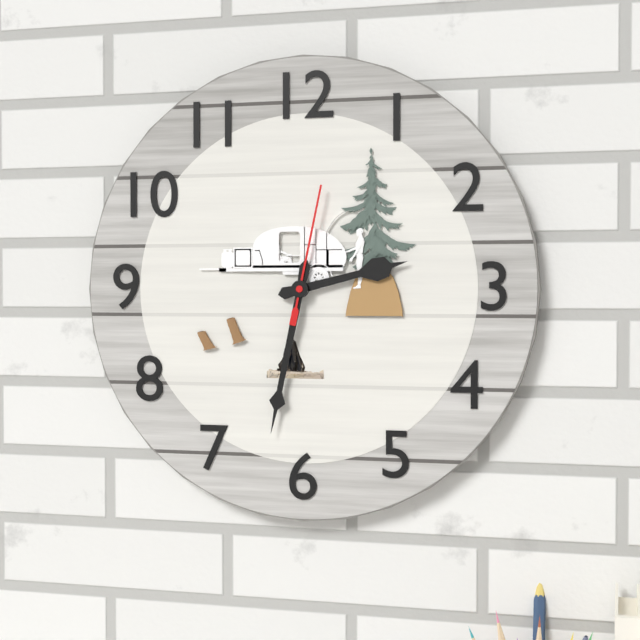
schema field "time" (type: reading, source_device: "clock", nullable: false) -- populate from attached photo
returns 2:32:02
